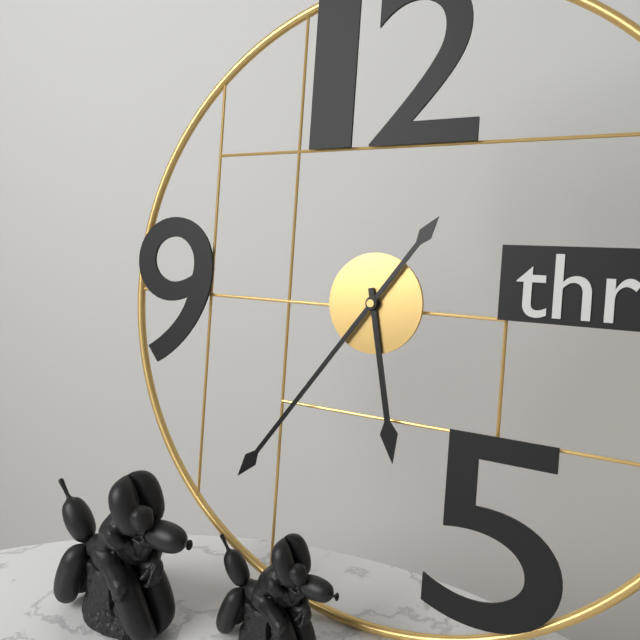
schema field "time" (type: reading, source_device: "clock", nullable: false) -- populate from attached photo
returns 5:36
